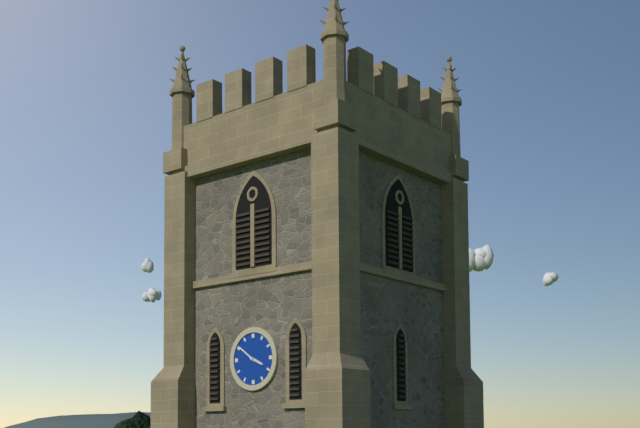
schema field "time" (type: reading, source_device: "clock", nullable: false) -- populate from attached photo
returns 3:51
